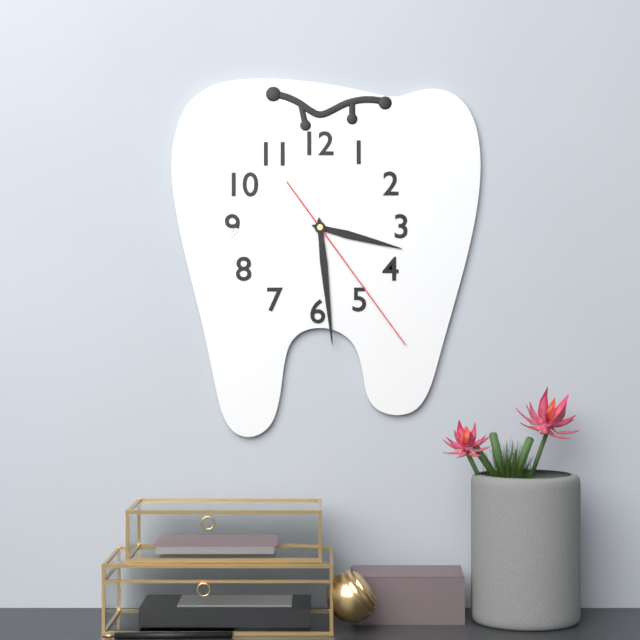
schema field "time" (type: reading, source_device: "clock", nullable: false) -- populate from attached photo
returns 3:29:24
